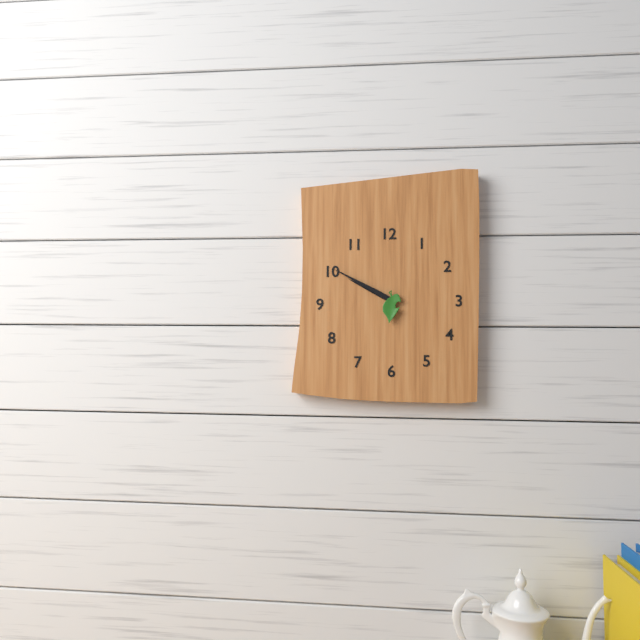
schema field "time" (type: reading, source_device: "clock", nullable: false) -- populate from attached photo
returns 9:50
